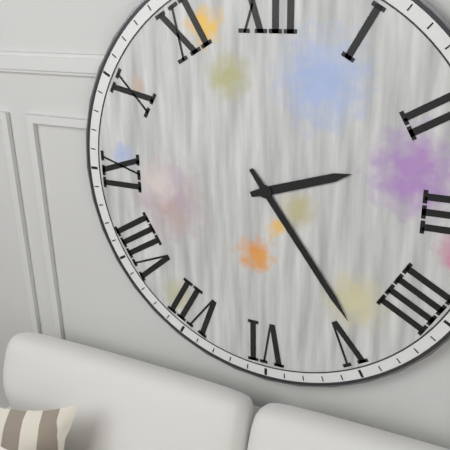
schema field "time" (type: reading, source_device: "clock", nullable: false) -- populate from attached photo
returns 2:24
